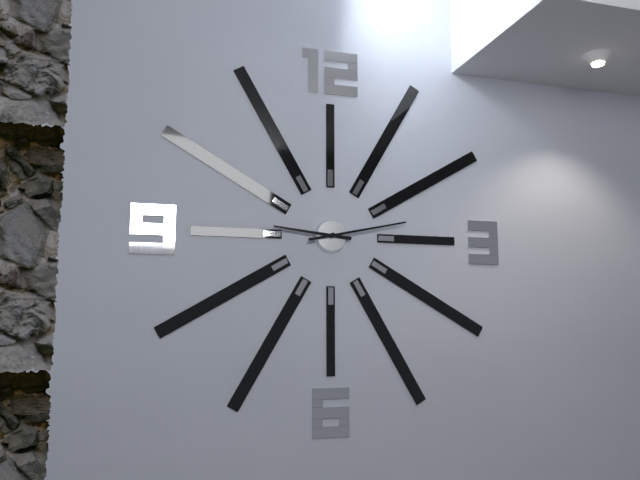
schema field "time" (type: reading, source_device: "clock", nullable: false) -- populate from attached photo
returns 9:13
